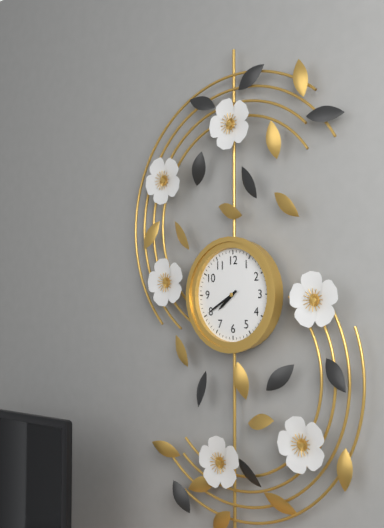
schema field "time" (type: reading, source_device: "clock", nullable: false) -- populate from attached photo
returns 7:40
